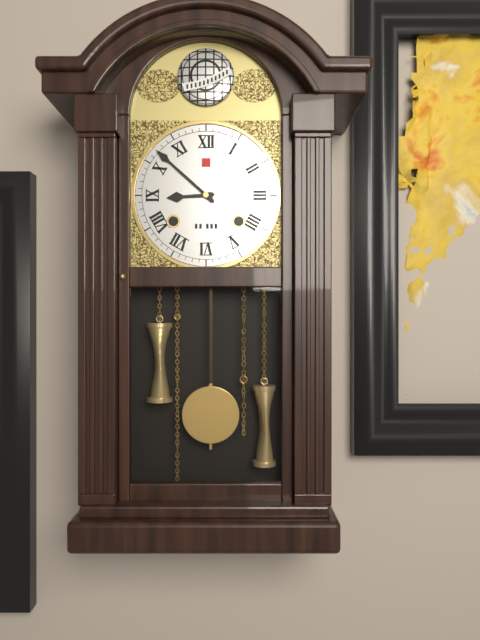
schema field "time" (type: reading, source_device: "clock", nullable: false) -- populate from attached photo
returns 8:52
